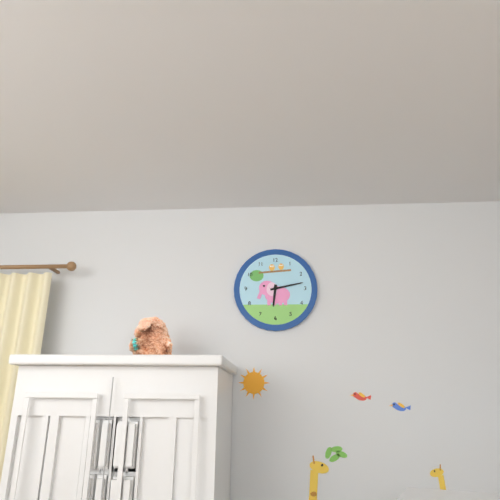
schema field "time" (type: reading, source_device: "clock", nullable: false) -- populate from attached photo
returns 6:13
